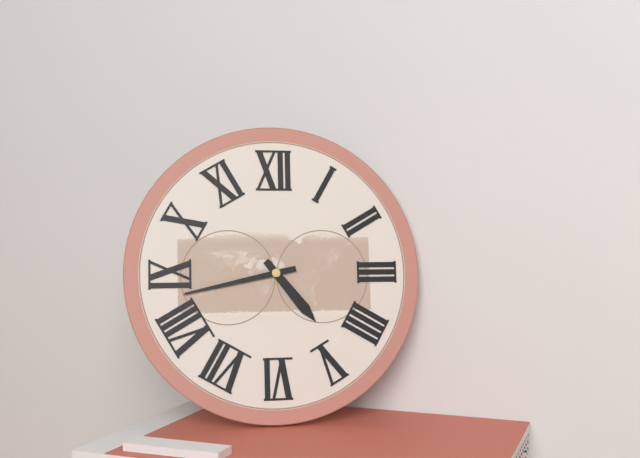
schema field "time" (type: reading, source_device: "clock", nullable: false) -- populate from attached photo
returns 4:43
